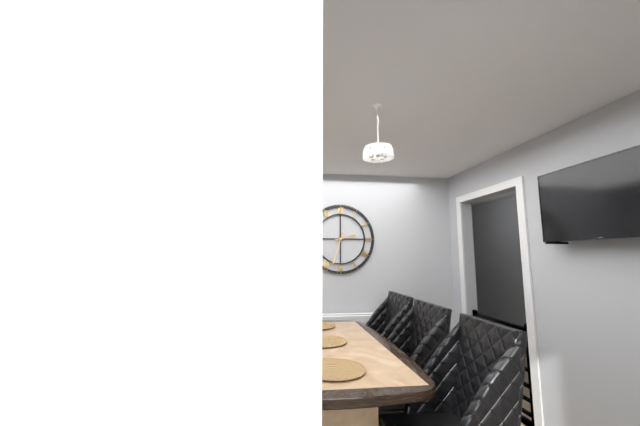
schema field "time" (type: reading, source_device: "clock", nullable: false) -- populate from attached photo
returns 2:33
